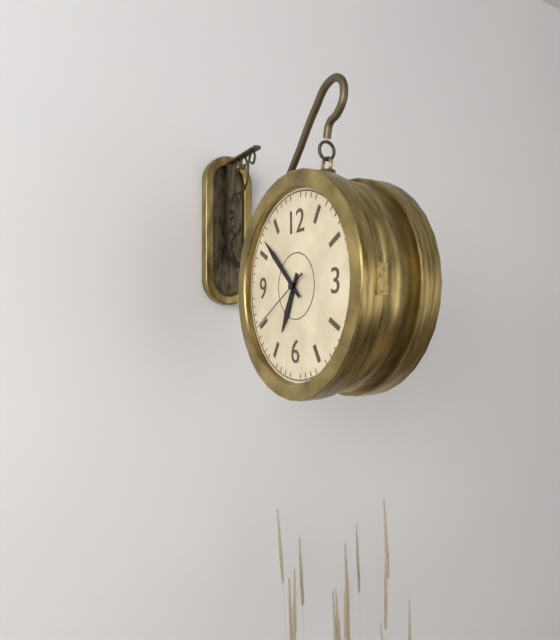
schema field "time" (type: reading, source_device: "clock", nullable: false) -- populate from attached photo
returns 6:52:40
